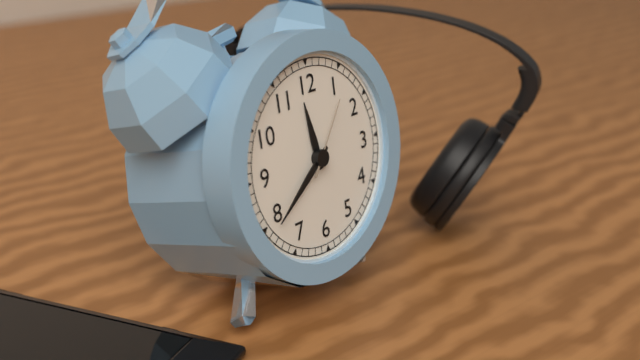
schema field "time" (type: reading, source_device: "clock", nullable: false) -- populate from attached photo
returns 11:39:06
